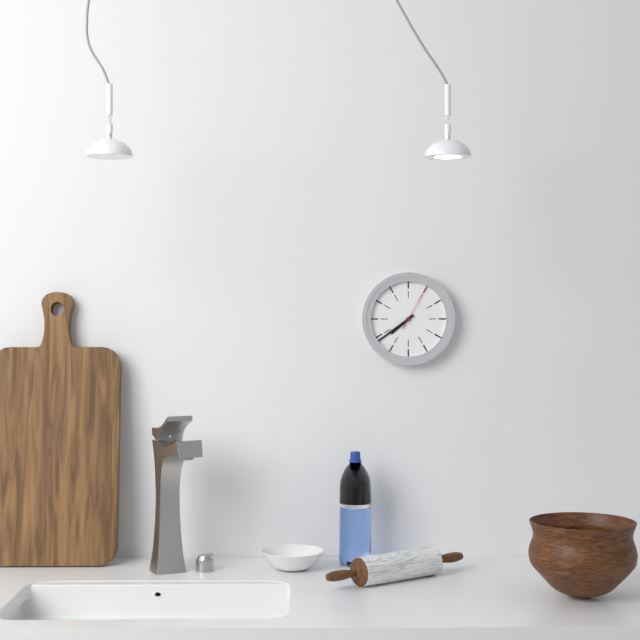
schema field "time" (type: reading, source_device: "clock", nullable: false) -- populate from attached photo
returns 7:39
